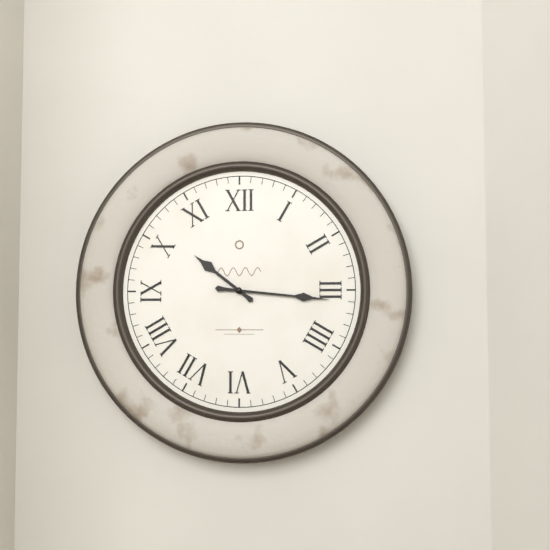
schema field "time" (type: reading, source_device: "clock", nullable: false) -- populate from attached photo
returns 10:16
